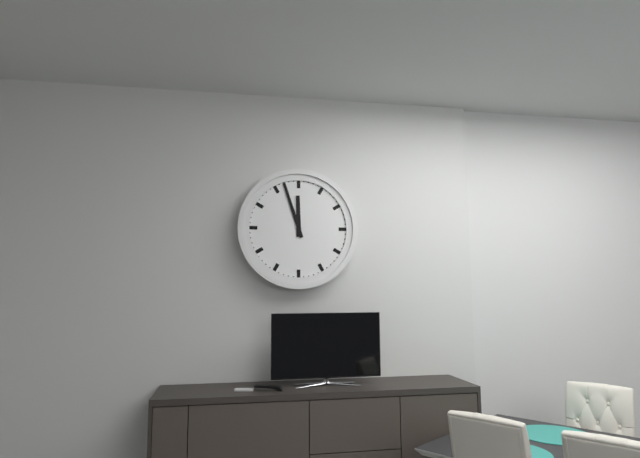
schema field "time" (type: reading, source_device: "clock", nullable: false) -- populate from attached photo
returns 11:57
